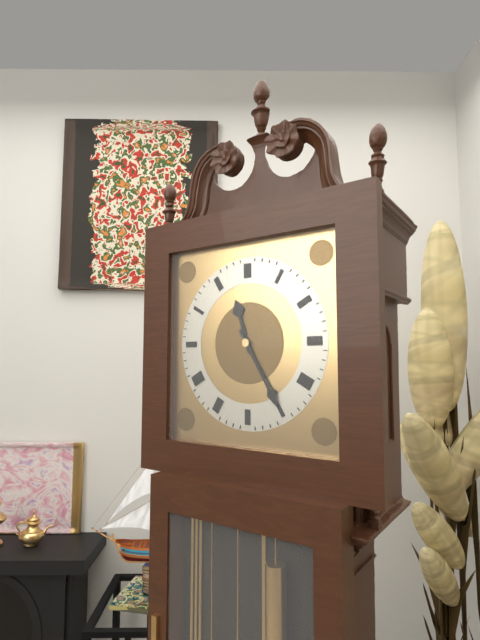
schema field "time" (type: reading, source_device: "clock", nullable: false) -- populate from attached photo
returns 11:25
